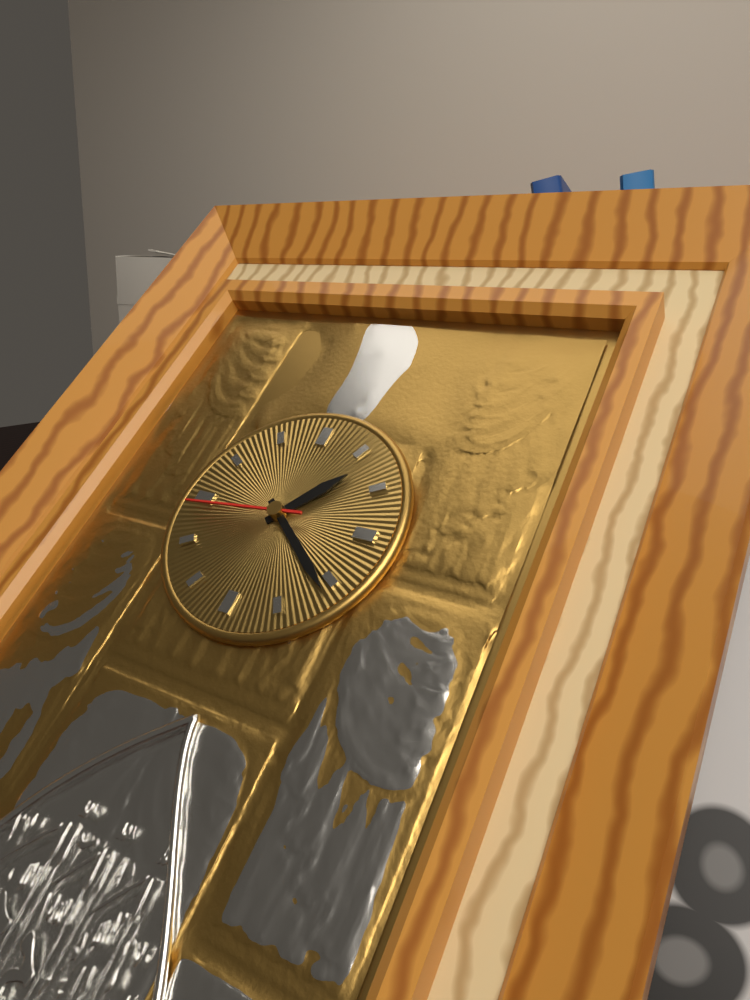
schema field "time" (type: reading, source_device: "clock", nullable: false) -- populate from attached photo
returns 1:21:44
